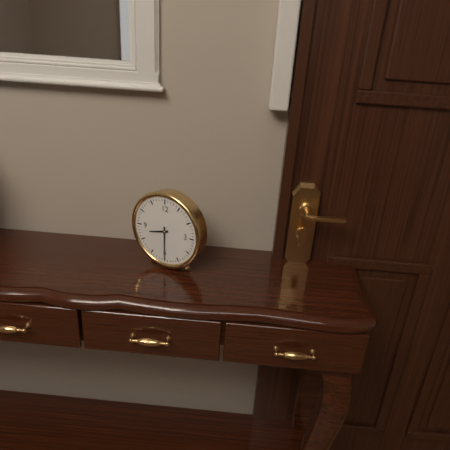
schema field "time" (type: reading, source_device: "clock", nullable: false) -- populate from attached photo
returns 8:30
